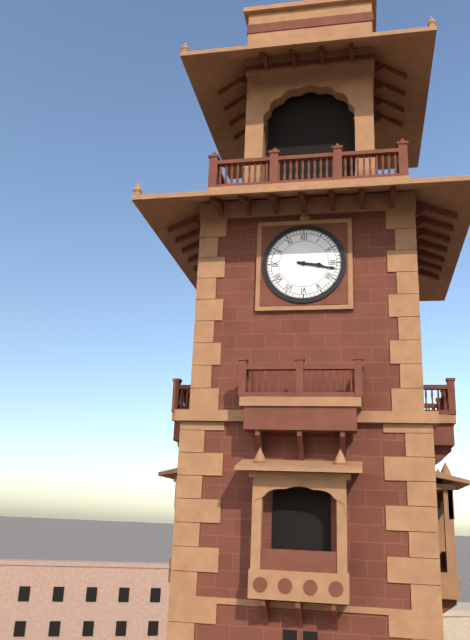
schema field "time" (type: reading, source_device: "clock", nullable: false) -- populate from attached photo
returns 3:17
